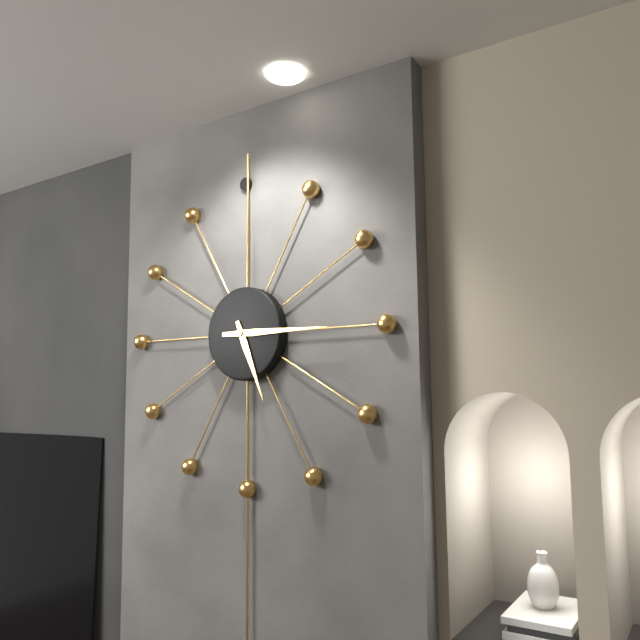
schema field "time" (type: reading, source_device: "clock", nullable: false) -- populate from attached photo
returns 5:15
